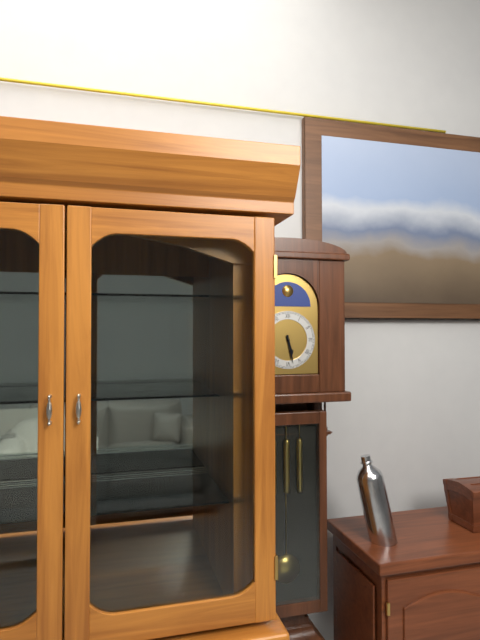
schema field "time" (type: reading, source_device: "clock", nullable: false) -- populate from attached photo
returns 5:28
